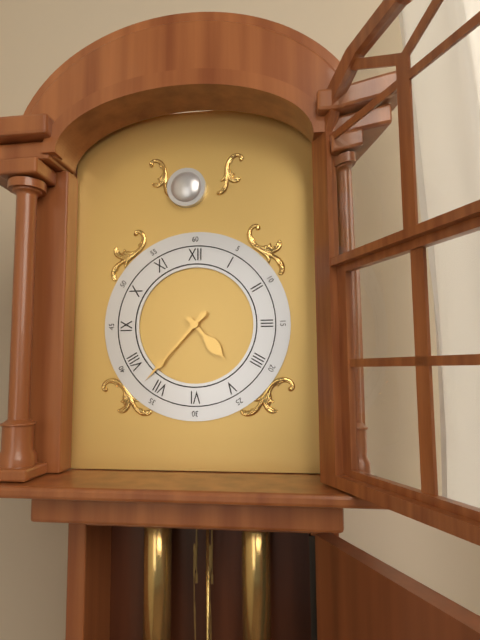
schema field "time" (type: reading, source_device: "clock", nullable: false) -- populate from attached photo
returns 4:37
